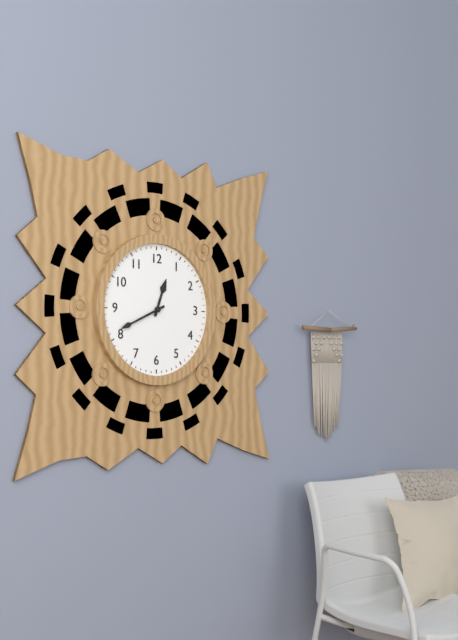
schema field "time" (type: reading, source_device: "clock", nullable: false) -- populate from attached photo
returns 12:41
